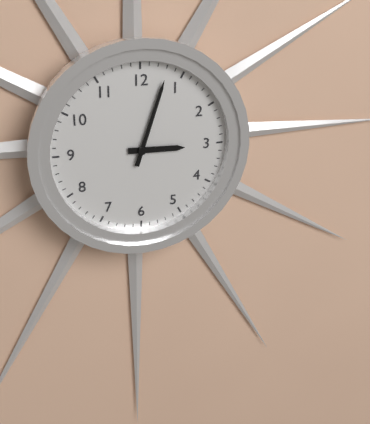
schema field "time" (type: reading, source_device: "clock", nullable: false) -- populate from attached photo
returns 3:03
